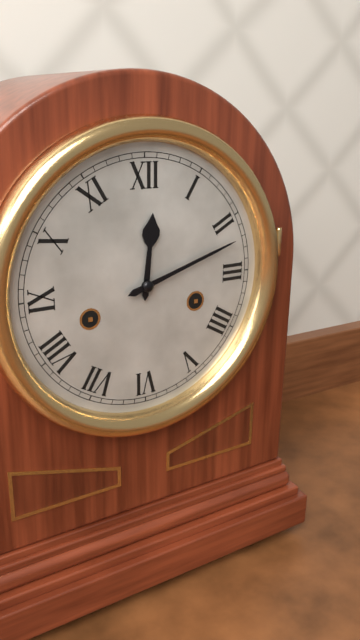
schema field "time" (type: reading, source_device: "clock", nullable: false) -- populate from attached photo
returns 12:12
